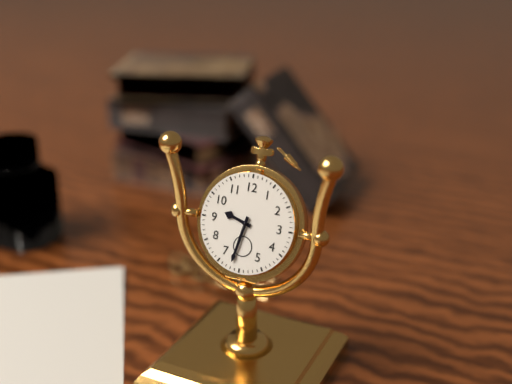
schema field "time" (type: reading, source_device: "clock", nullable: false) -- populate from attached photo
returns 9:32
